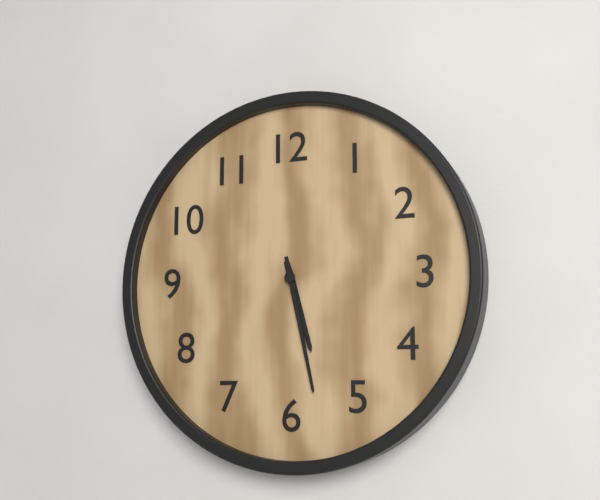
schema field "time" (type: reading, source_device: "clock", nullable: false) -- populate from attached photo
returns 5:28
